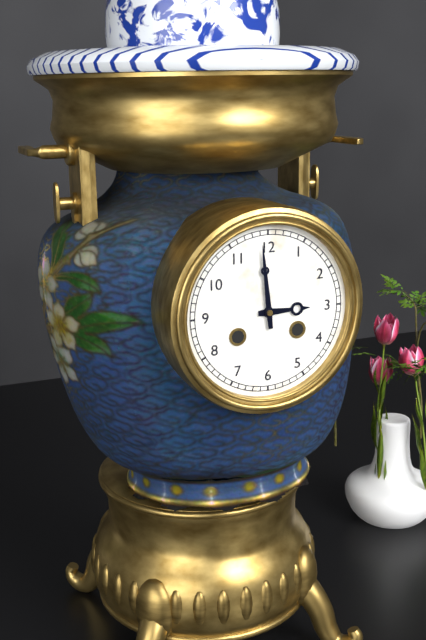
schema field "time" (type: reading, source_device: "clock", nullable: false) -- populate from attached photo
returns 2:59
